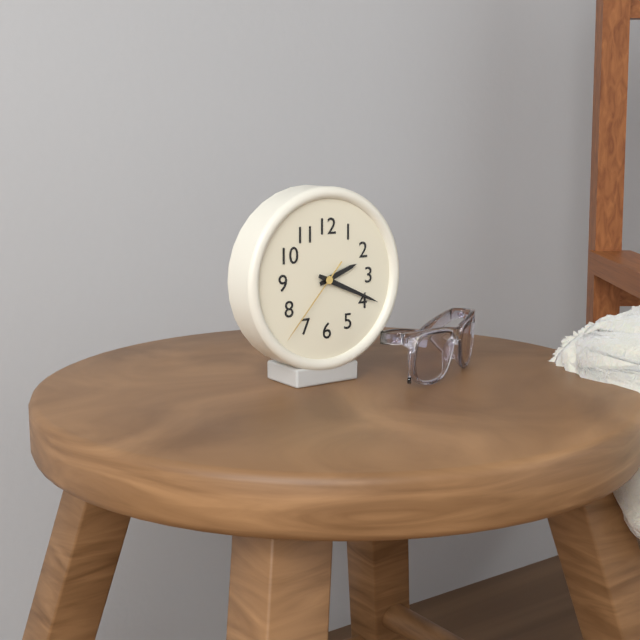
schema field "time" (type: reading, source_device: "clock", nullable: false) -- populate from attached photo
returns 2:19:37
